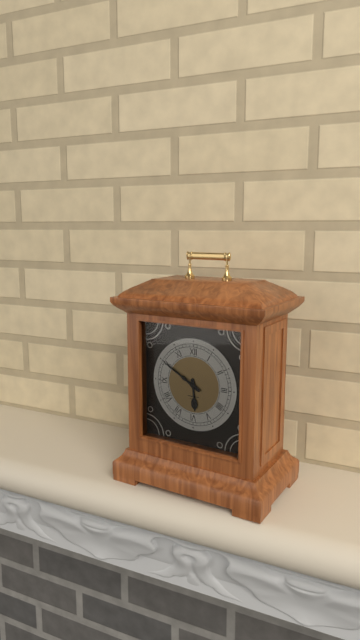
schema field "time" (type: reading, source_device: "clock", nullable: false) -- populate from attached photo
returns 5:50
